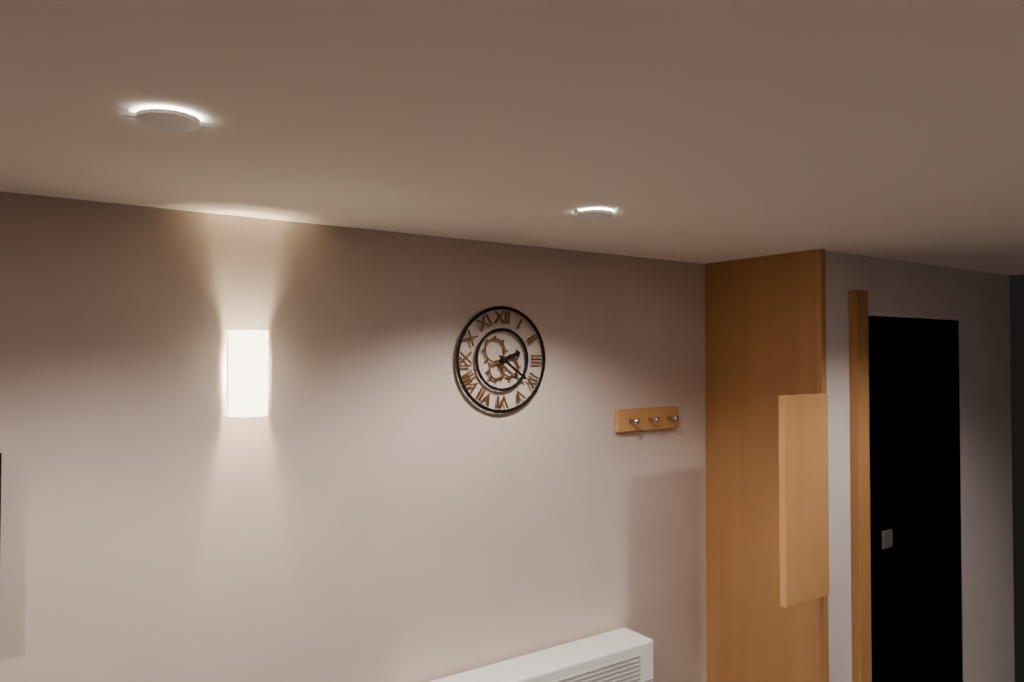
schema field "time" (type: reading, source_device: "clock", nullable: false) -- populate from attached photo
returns 2:21
